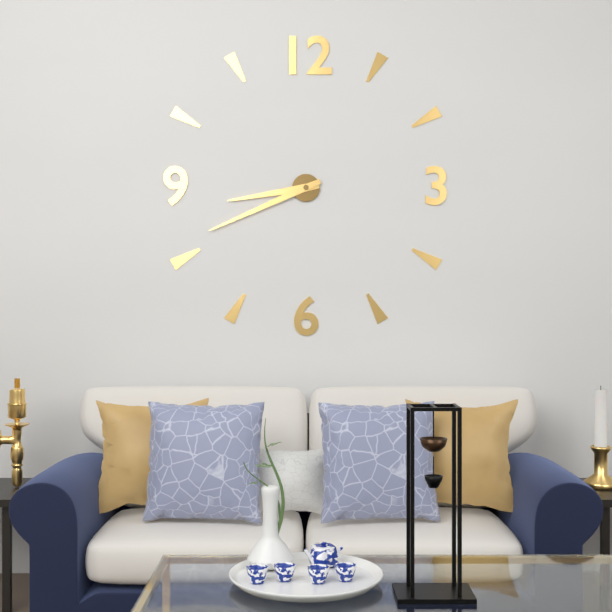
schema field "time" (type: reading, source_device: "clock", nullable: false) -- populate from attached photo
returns 8:41
